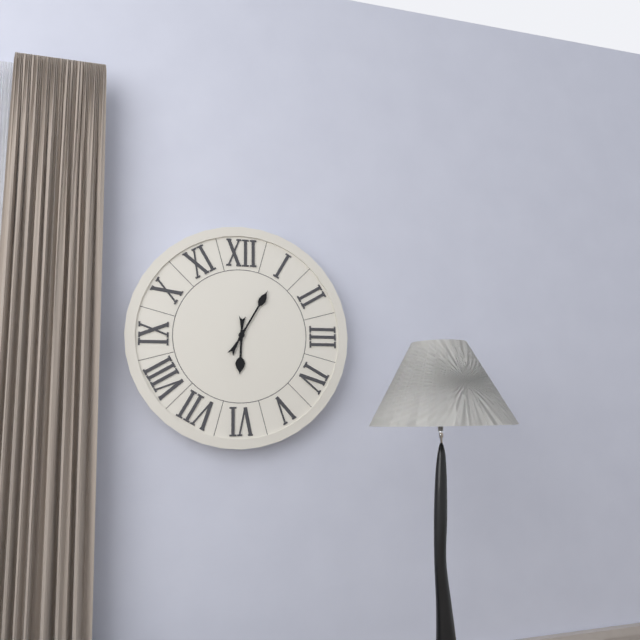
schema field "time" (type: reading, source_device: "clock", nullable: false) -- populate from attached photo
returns 6:05
